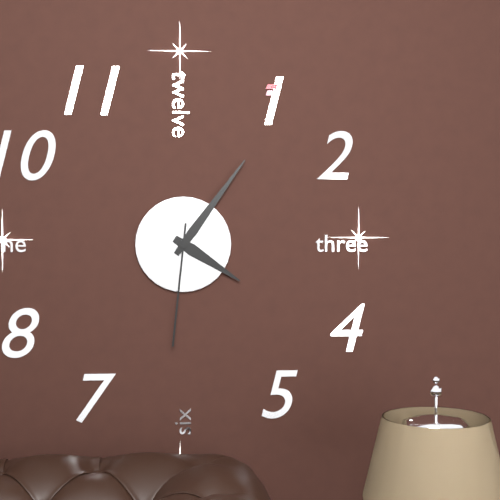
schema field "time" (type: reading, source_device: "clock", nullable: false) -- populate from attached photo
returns 4:06:31
